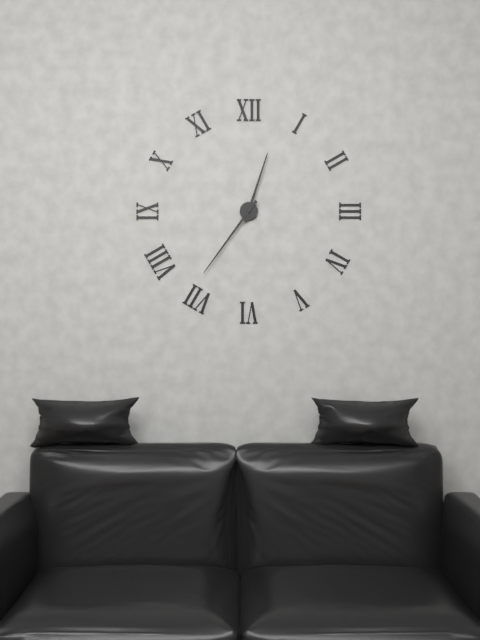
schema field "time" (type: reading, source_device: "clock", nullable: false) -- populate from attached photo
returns 12:36
